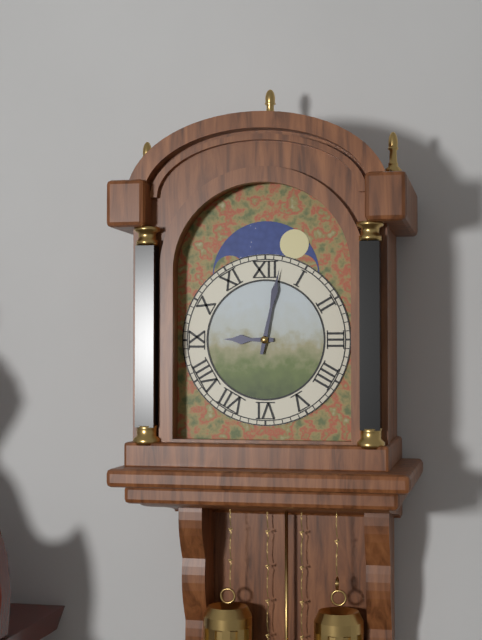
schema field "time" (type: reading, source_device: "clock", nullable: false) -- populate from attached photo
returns 9:02
